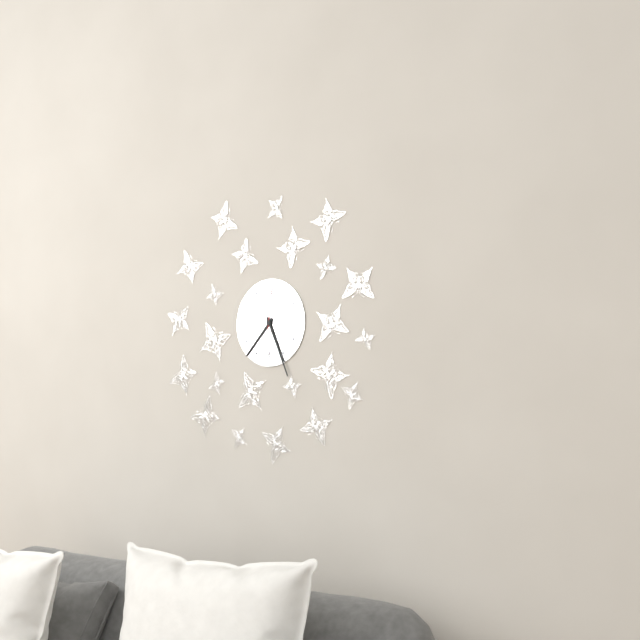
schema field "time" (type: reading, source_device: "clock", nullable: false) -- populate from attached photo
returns 7:26:01
